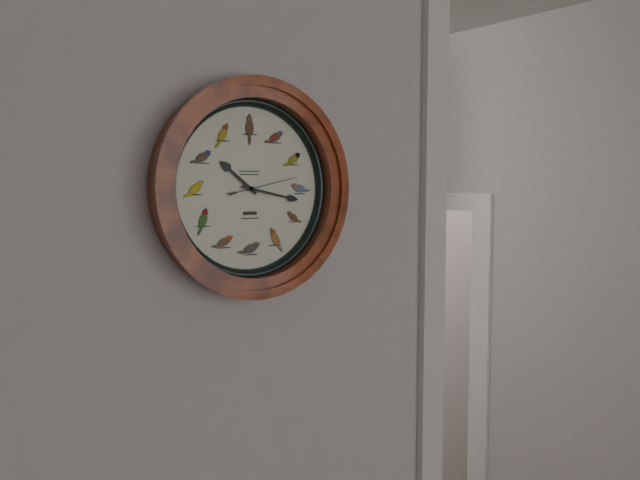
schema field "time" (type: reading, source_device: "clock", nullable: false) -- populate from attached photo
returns 10:17:13
